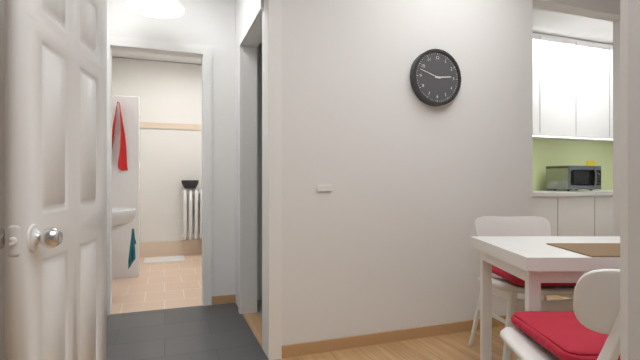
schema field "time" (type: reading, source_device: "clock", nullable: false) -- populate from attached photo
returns 2:48
